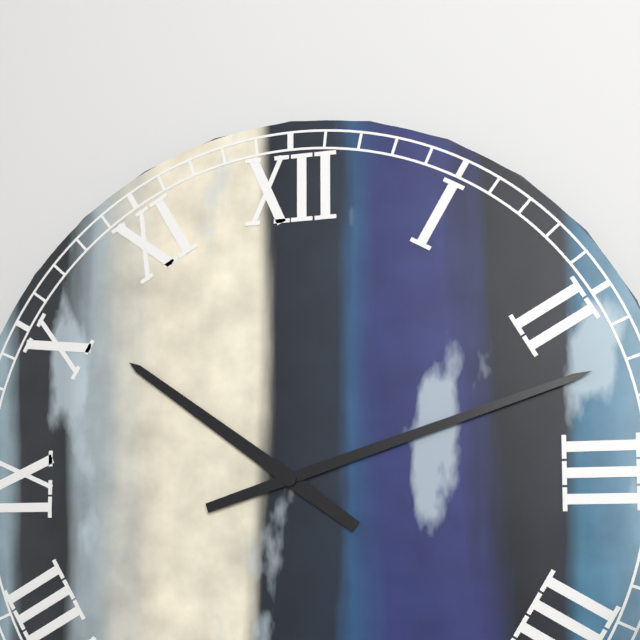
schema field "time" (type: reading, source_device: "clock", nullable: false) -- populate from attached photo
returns 10:12
